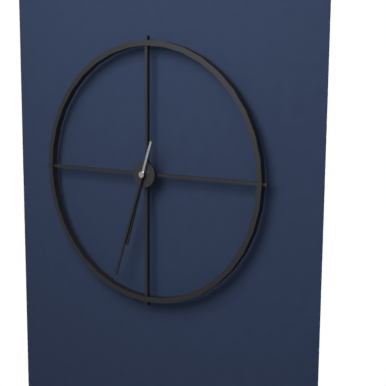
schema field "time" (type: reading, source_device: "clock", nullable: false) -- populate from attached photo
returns 6:33
